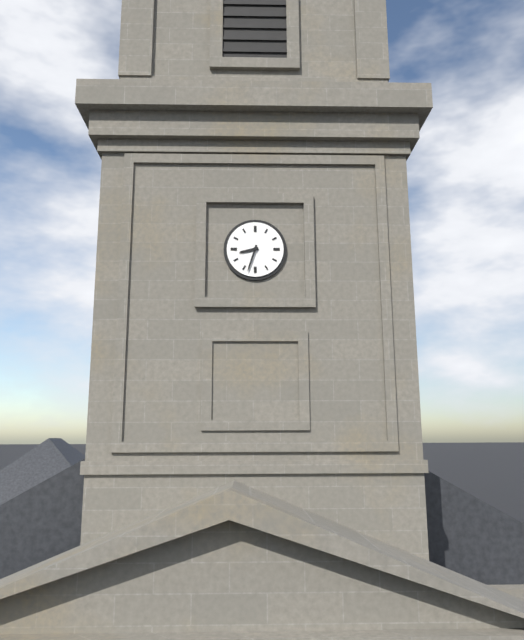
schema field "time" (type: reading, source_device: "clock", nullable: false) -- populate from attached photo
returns 8:33
